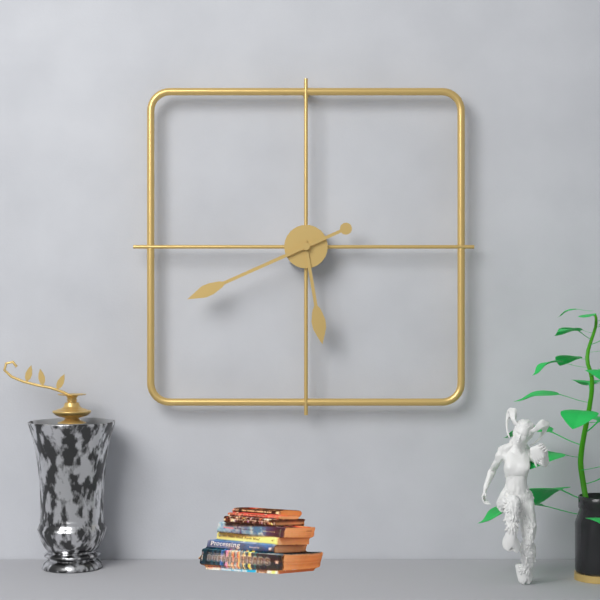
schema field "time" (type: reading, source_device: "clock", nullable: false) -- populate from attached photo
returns 5:41
